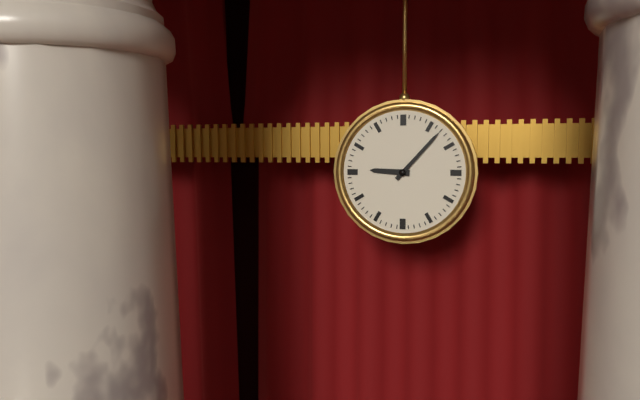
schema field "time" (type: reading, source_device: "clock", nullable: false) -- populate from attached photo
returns 9:07
